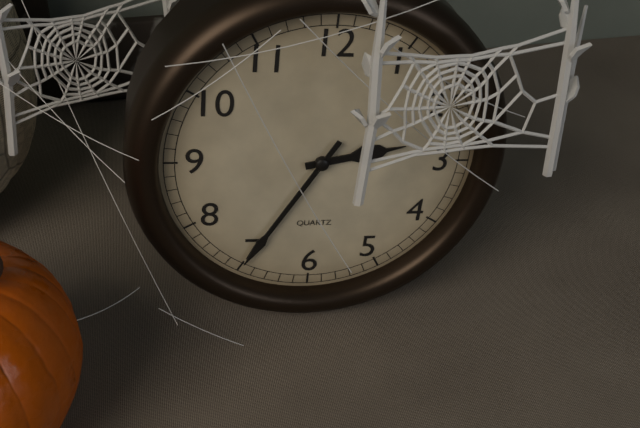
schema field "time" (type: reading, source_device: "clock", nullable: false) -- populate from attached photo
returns 2:35
